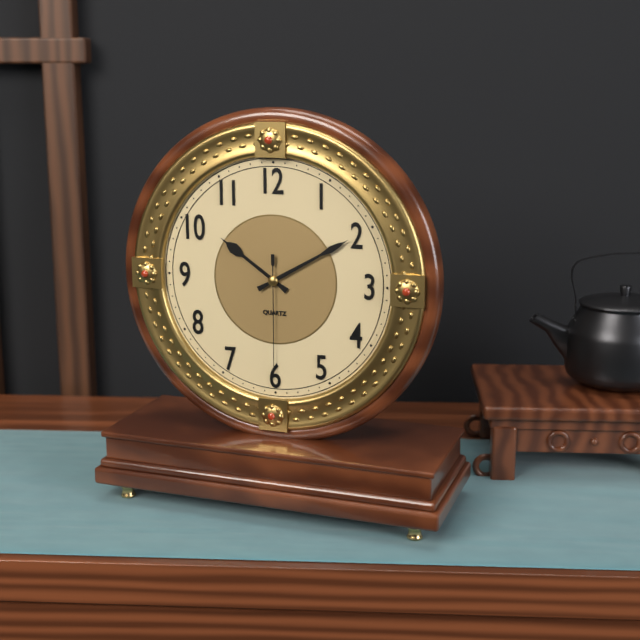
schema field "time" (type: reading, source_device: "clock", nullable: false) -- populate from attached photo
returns 10:10:30
